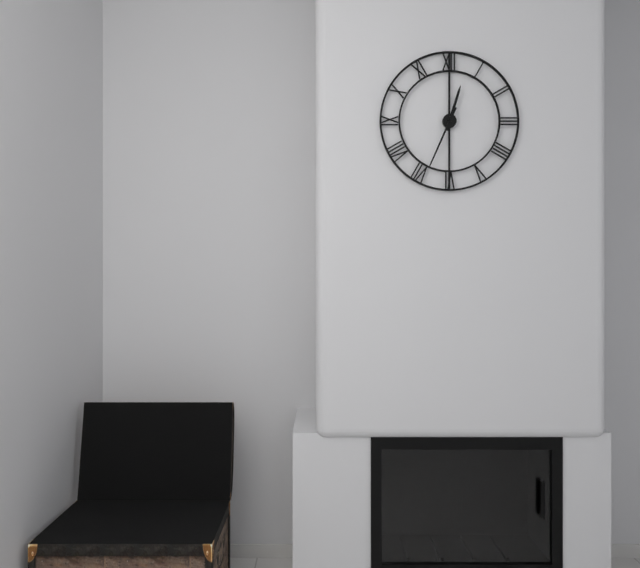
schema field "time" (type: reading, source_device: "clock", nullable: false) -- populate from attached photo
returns 12:34
